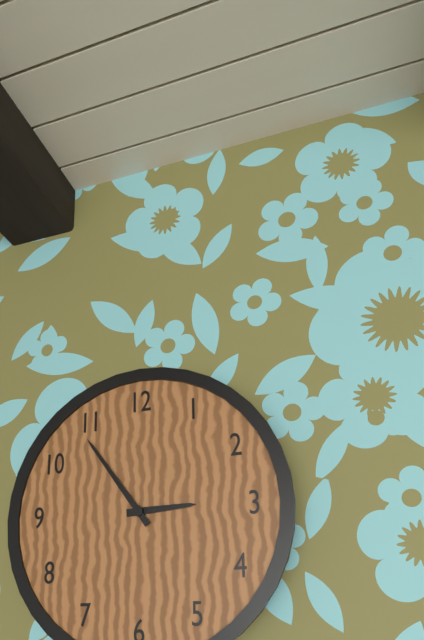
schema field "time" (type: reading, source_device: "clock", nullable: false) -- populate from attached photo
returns 2:54
